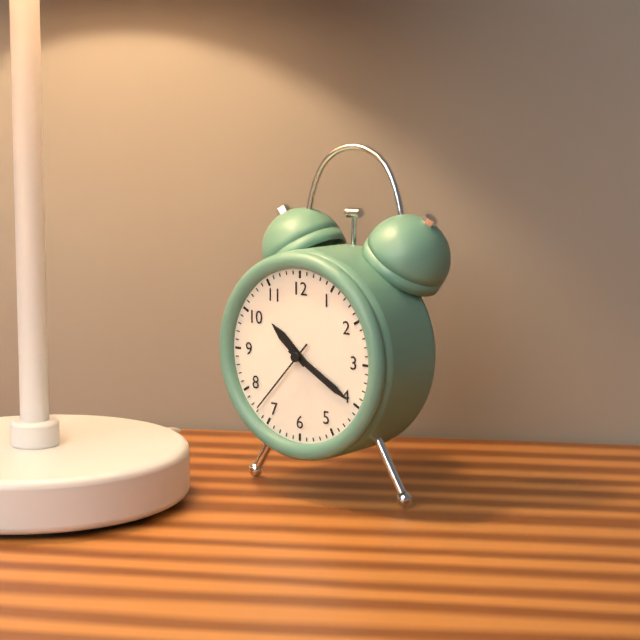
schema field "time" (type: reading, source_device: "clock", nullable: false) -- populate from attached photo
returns 10:20:37
